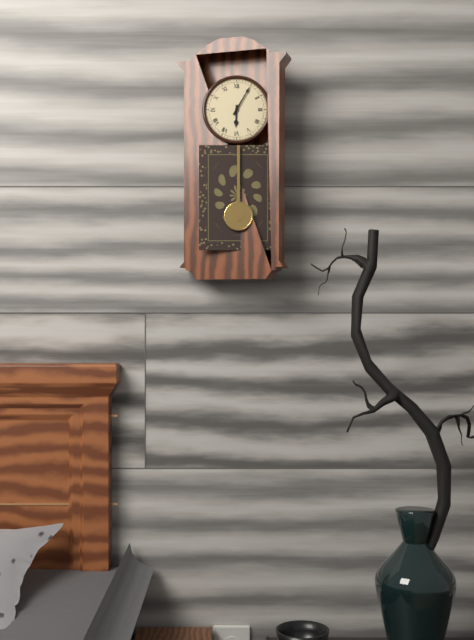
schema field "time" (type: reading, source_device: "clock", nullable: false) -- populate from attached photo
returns 6:05
